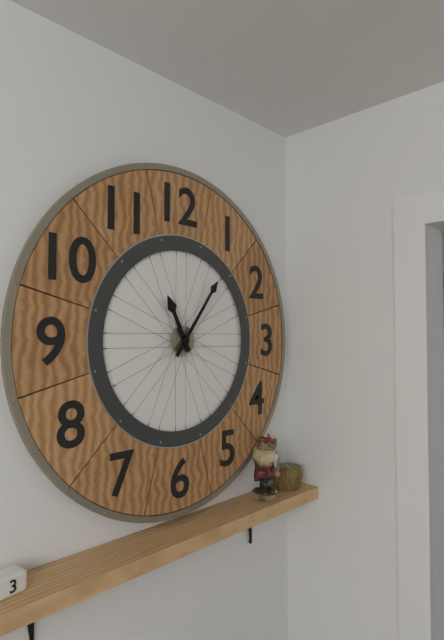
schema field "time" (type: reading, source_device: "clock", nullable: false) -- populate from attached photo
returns 11:06
